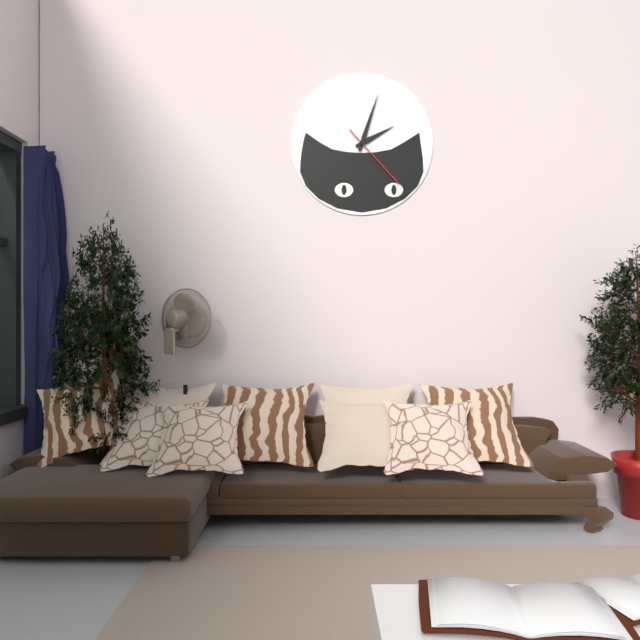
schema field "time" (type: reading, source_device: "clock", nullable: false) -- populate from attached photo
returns 2:03:23
